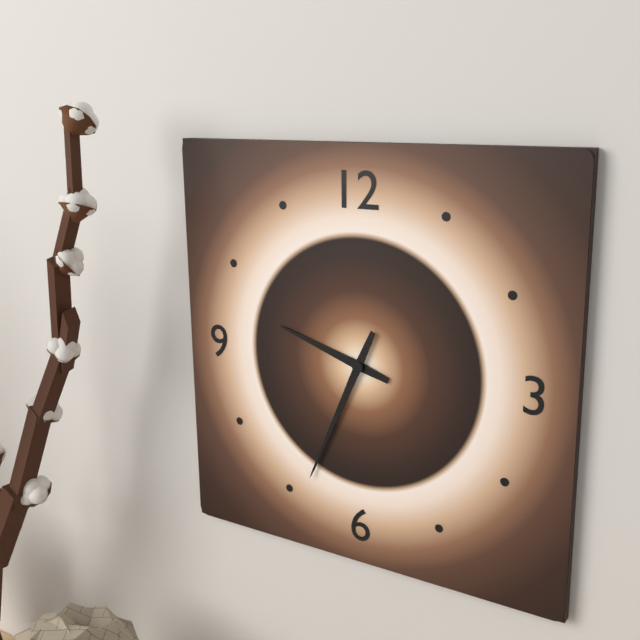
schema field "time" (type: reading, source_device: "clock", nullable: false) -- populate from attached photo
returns 9:34
